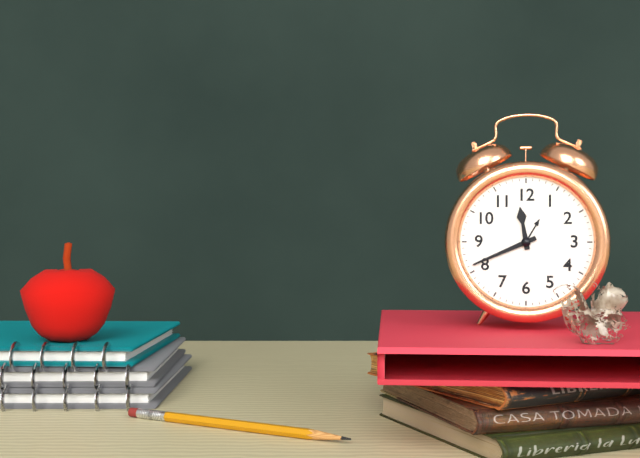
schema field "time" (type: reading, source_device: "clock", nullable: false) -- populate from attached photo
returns 11:41
